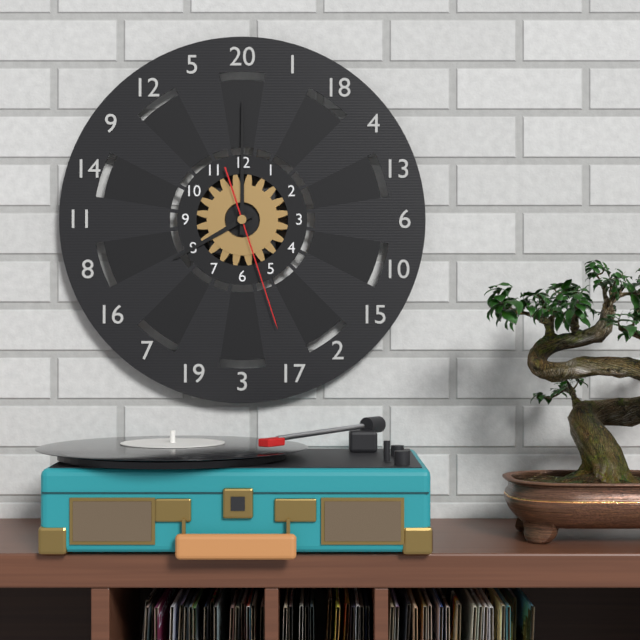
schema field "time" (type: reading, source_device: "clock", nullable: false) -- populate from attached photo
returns 8:00:27
